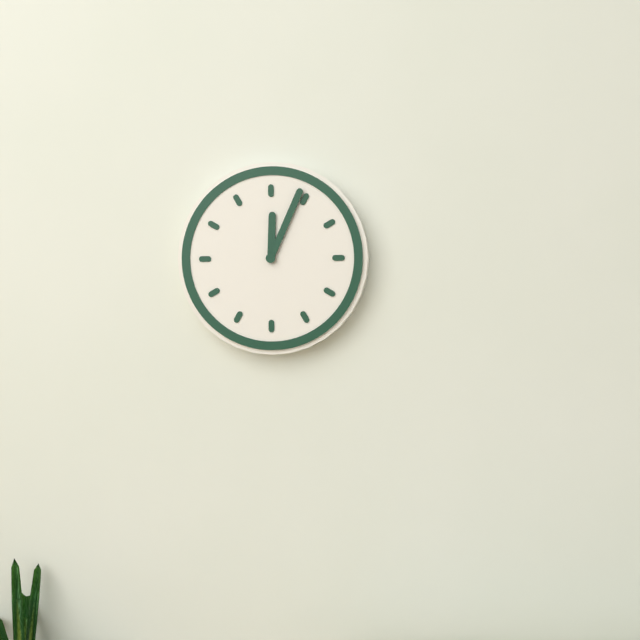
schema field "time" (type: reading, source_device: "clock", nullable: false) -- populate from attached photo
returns 12:04
